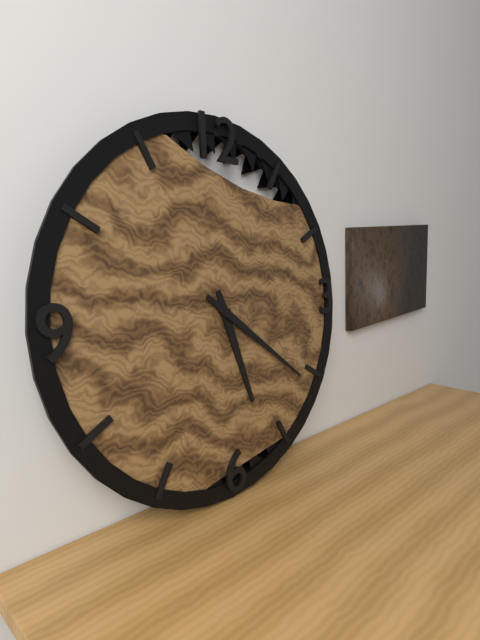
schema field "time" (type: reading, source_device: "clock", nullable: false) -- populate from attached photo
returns 5:21
